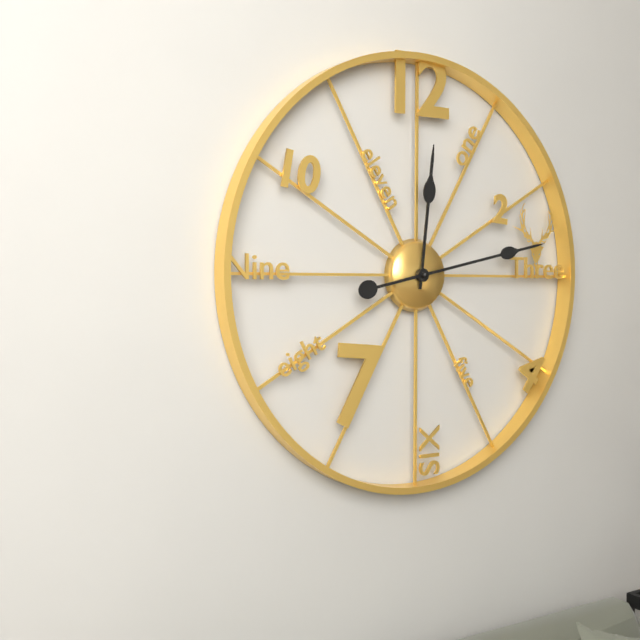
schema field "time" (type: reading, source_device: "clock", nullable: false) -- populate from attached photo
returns 12:13
